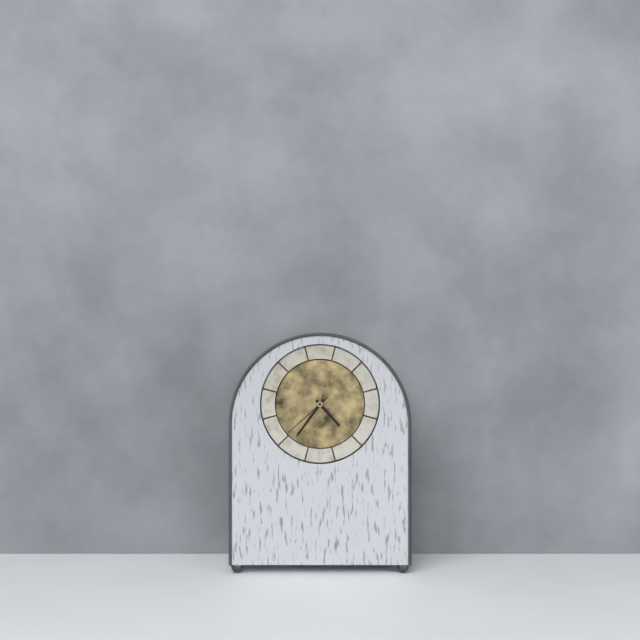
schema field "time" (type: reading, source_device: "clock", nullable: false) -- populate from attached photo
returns 4:36:38
